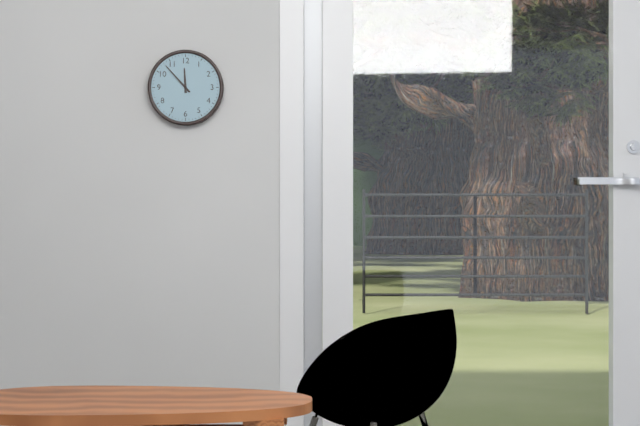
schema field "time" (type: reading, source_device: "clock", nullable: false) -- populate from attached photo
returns 11:53
